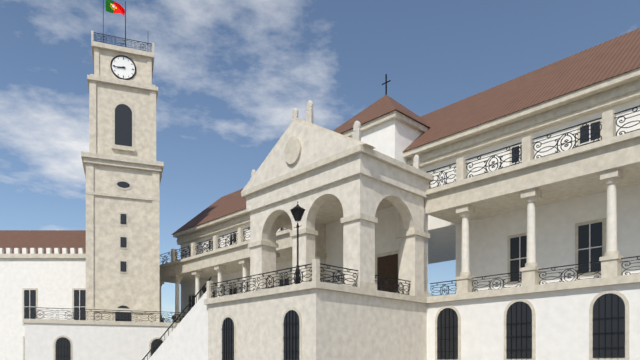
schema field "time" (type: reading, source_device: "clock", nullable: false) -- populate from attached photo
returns 8:44
